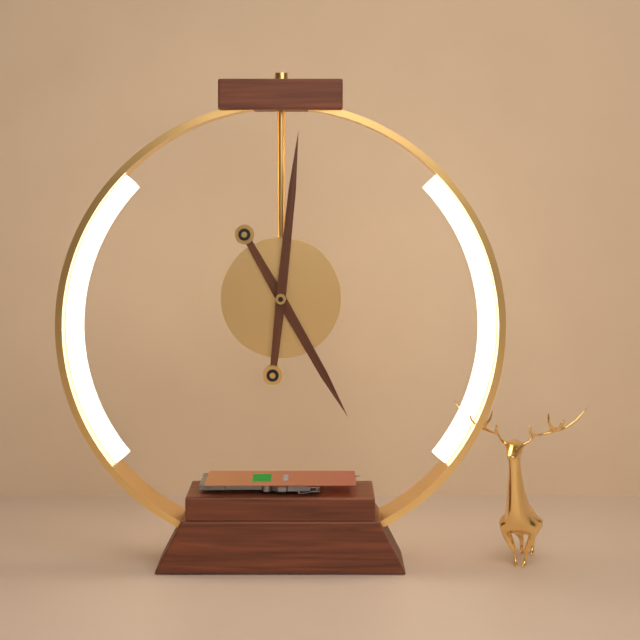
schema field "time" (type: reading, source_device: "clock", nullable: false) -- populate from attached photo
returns 5:01
